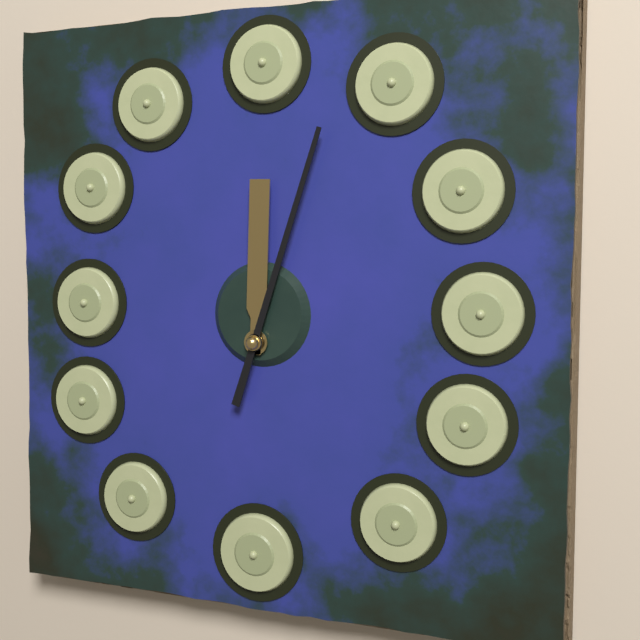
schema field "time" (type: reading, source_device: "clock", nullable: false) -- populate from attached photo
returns 12:03
